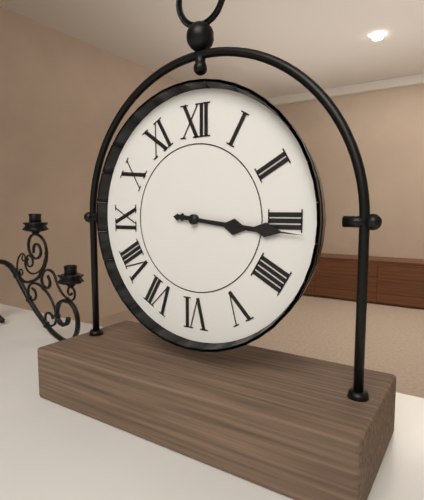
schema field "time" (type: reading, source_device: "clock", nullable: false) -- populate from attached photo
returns 3:16
